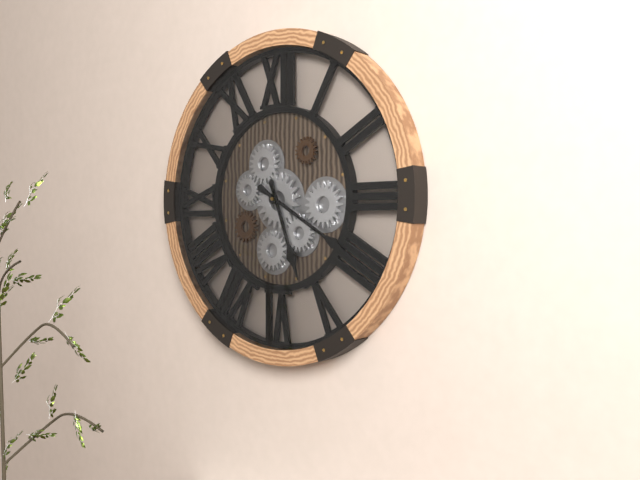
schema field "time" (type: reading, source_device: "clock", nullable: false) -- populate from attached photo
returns 5:20
